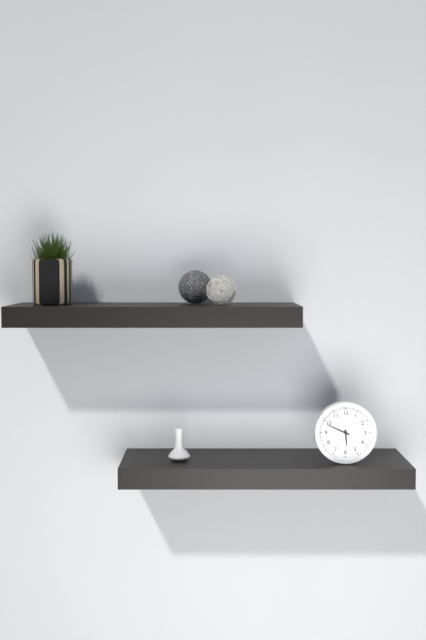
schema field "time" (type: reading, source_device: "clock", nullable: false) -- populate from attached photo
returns 5:49
